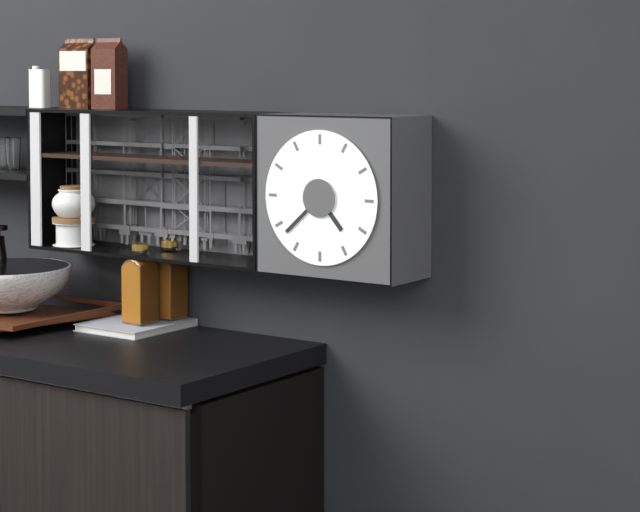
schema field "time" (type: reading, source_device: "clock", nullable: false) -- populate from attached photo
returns 4:38
